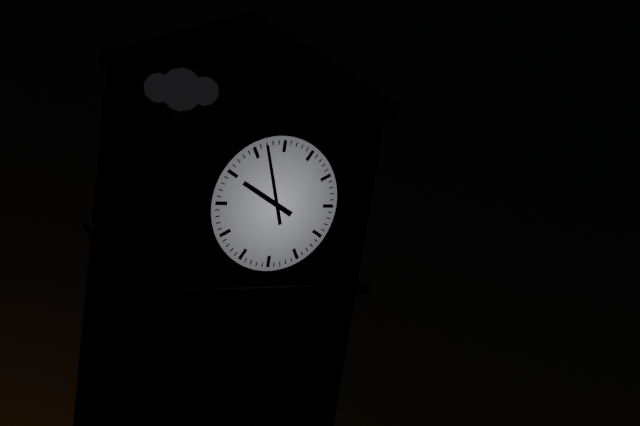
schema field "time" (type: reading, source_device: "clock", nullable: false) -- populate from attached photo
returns 9:57
